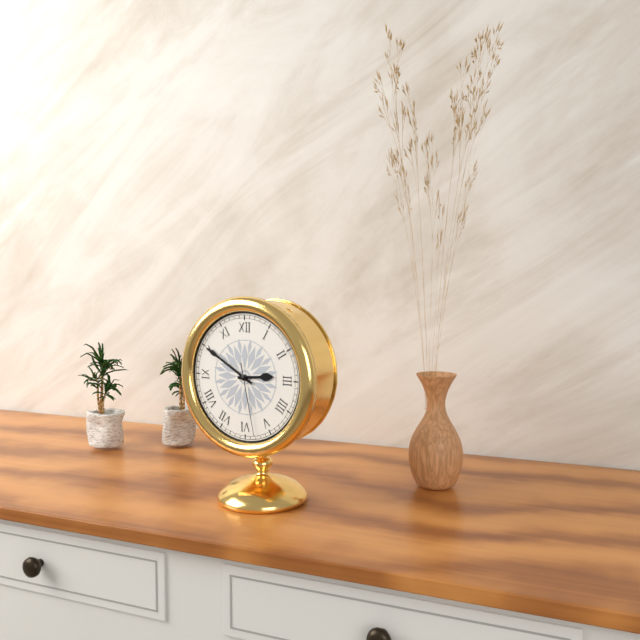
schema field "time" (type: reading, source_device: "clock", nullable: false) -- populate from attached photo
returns 2:50:28
